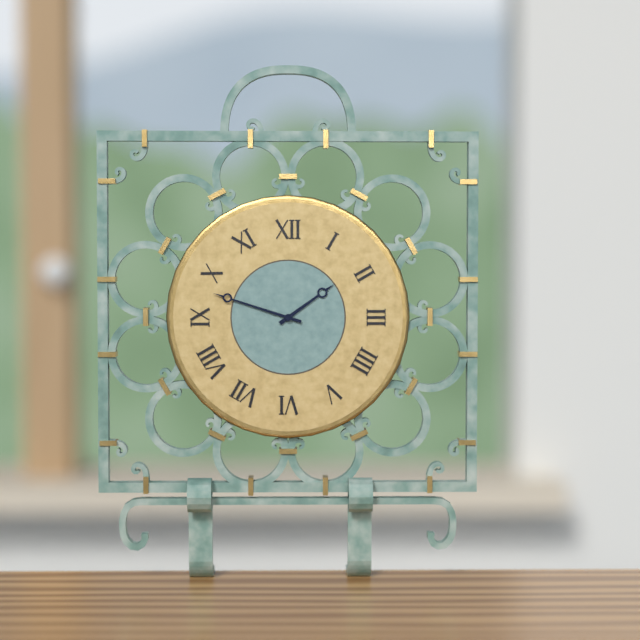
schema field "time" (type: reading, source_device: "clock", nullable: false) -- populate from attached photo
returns 1:48
